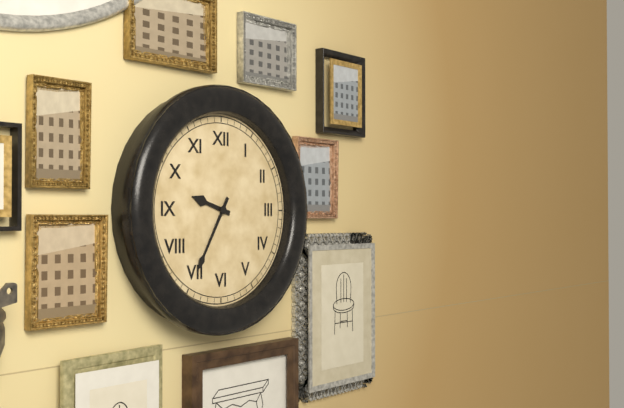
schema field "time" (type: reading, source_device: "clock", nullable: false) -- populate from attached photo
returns 9:35
